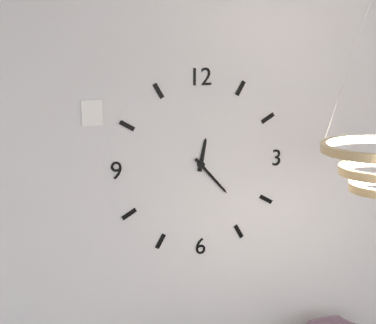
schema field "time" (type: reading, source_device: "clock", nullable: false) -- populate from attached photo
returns 12:23
